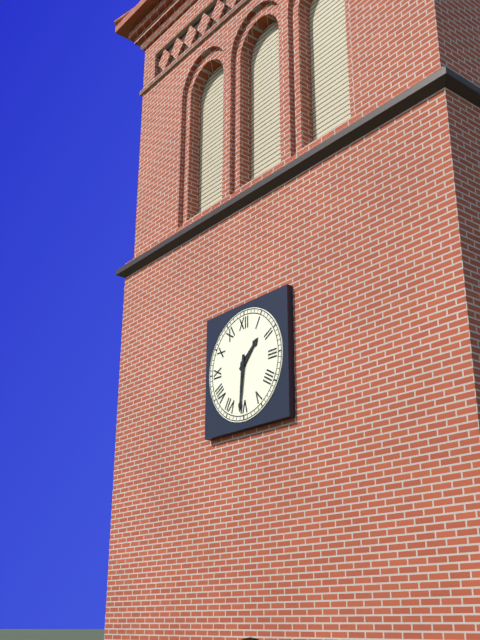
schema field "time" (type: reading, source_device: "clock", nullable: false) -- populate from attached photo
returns 1:31
